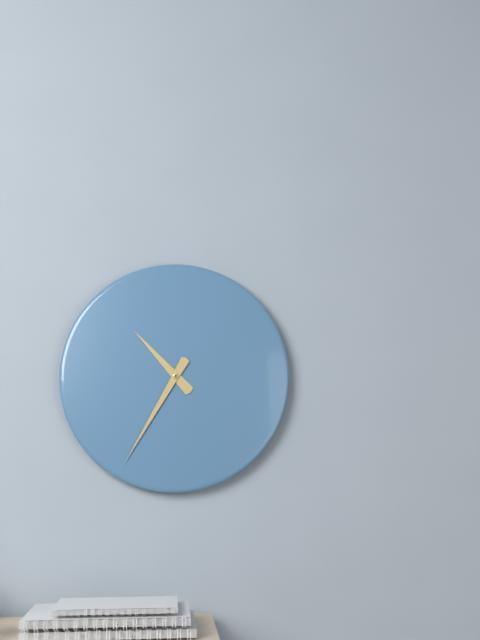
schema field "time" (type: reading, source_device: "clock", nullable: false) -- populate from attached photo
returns 10:35
